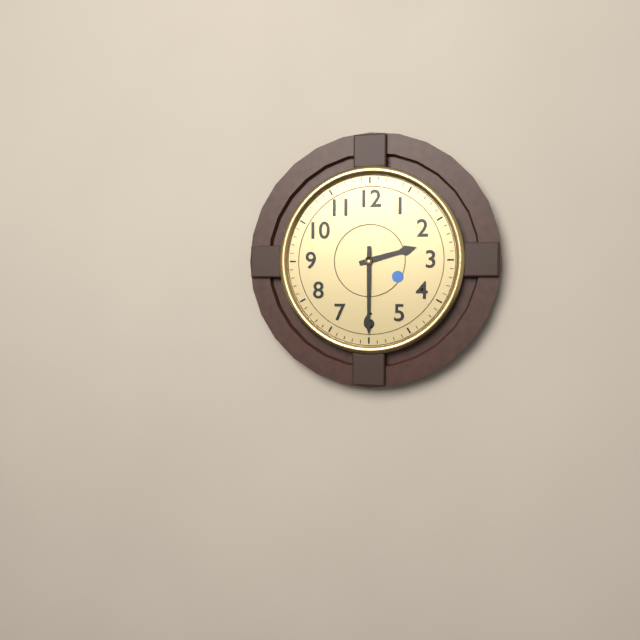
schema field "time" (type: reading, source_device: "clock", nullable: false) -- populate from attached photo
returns 2:30
